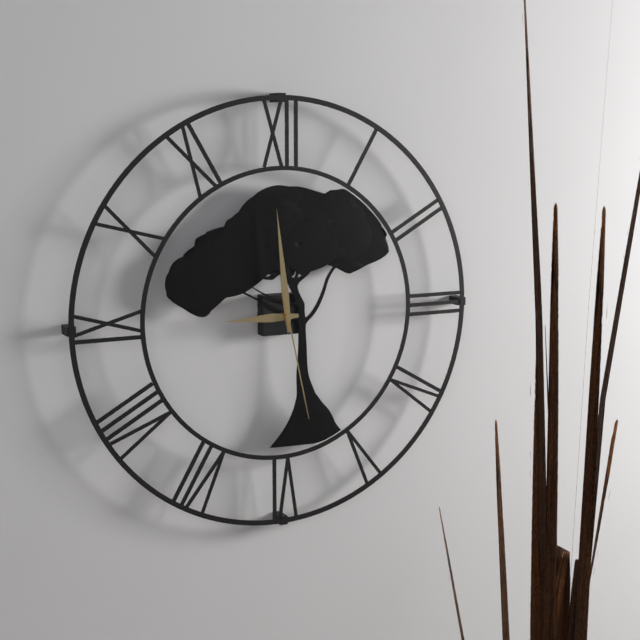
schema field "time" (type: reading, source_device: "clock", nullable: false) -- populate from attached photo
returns 8:59:28
